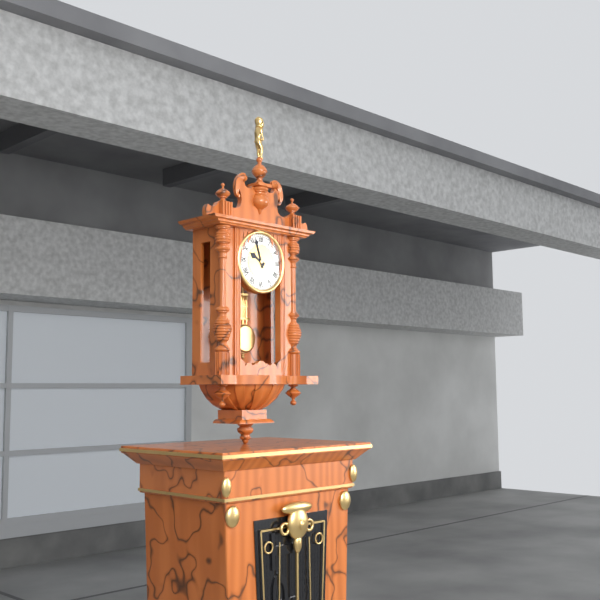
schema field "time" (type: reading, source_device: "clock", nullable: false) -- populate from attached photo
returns 9:57
